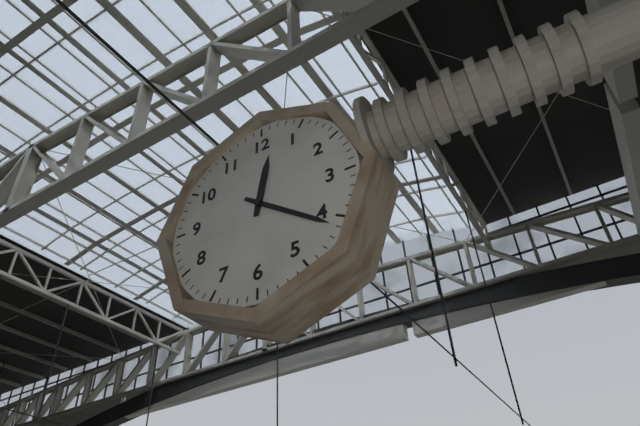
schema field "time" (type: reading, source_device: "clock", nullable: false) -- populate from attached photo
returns 12:21
